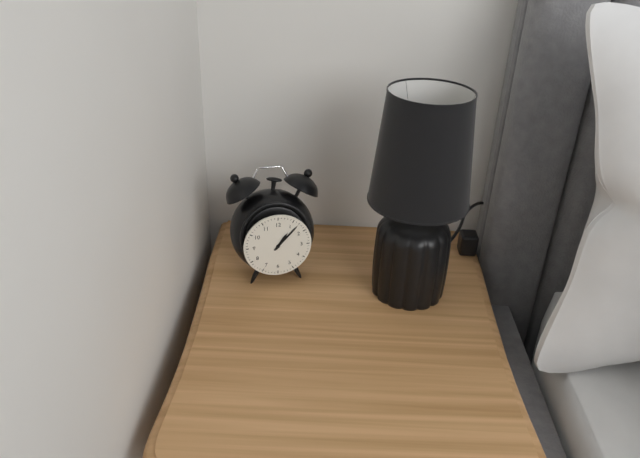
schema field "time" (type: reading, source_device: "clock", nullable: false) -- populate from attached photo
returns 1:07
